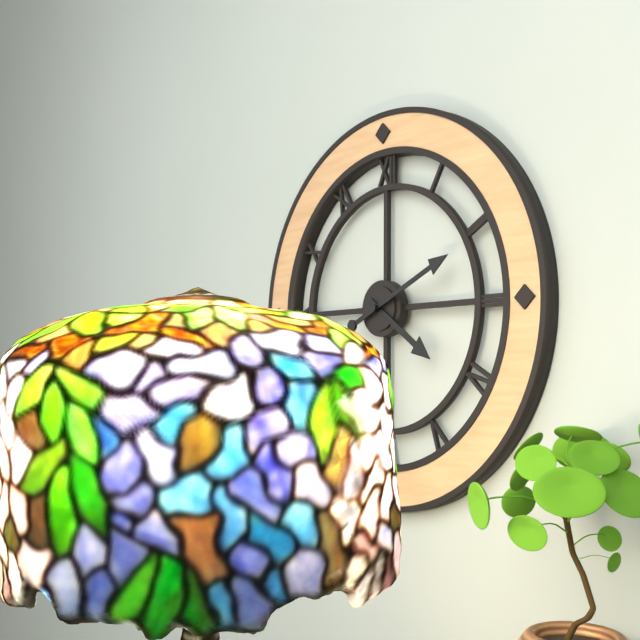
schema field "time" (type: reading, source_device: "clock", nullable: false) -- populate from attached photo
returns 4:11
